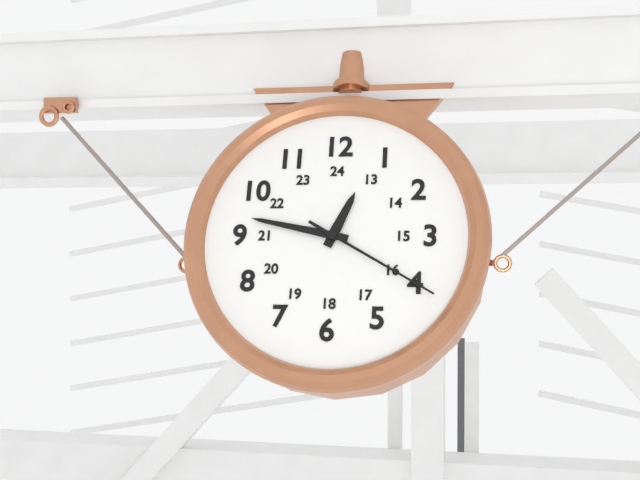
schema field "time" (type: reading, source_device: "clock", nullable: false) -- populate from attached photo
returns 12:47:20
